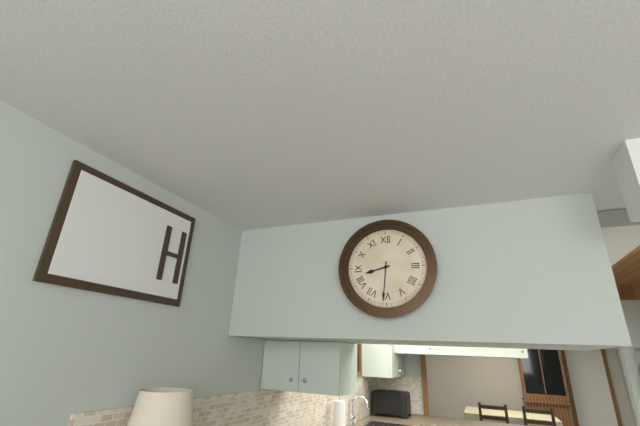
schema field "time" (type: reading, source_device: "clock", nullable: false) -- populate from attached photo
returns 8:31
